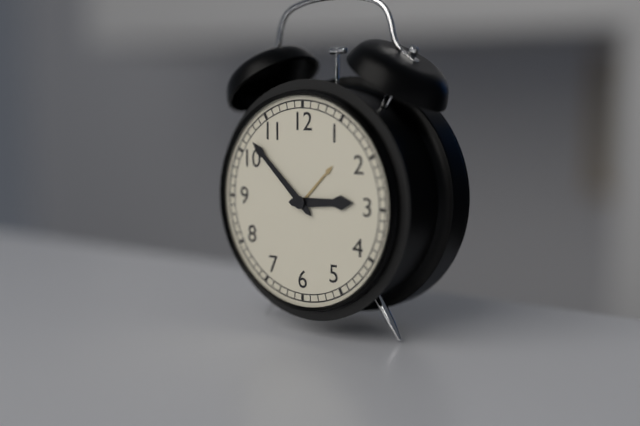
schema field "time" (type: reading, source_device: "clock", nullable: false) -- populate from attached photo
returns 2:52
